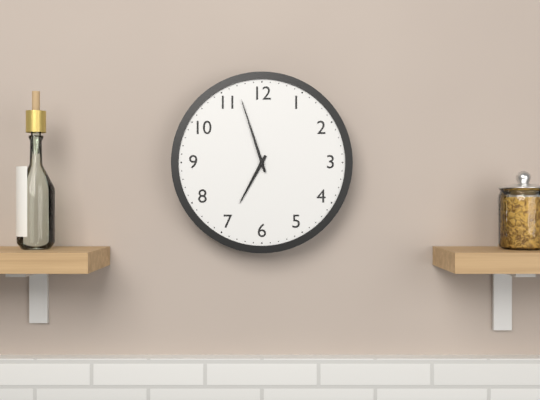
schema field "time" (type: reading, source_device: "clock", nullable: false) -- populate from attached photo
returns 6:57
